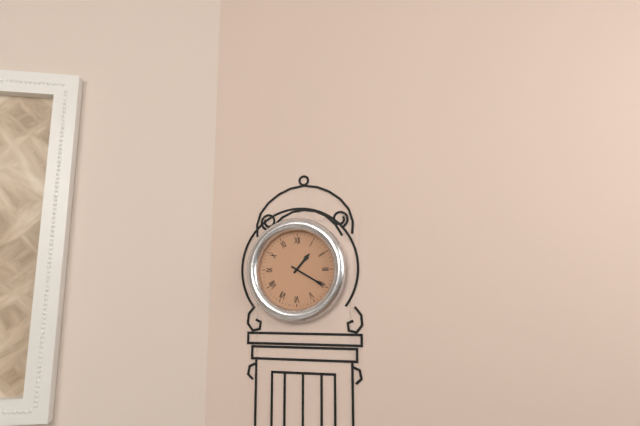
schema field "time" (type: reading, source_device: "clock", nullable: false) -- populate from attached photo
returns 1:20
